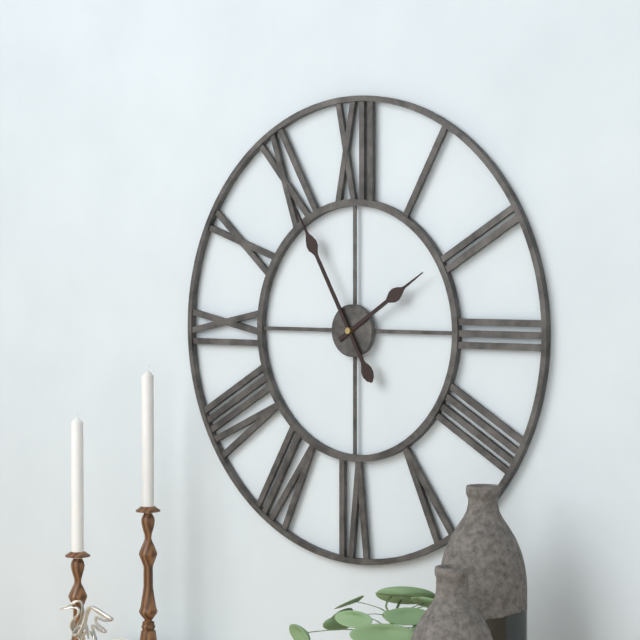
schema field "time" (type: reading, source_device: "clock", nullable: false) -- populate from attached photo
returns 1:55
